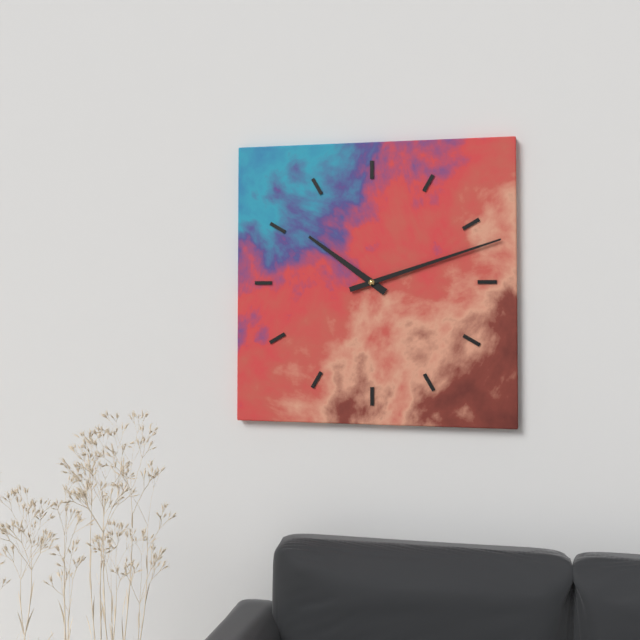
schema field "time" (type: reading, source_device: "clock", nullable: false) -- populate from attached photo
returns 10:12
